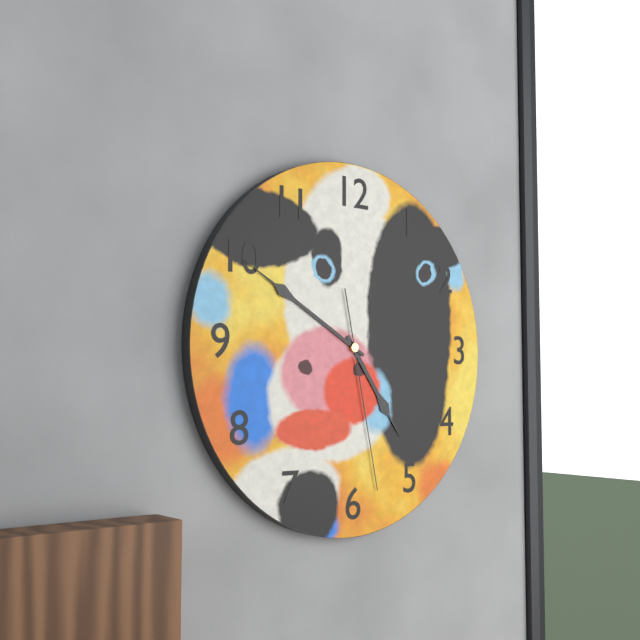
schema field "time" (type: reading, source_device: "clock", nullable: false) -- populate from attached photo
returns 4:50:28
